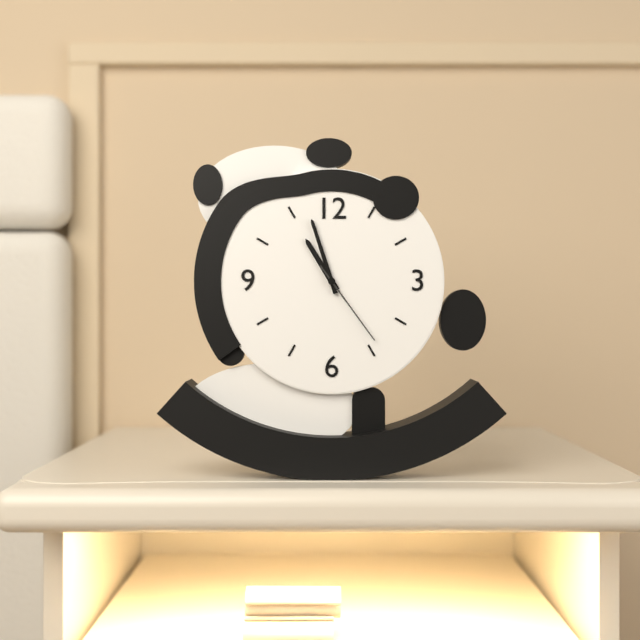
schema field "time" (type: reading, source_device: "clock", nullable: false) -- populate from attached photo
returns 10:57:24
